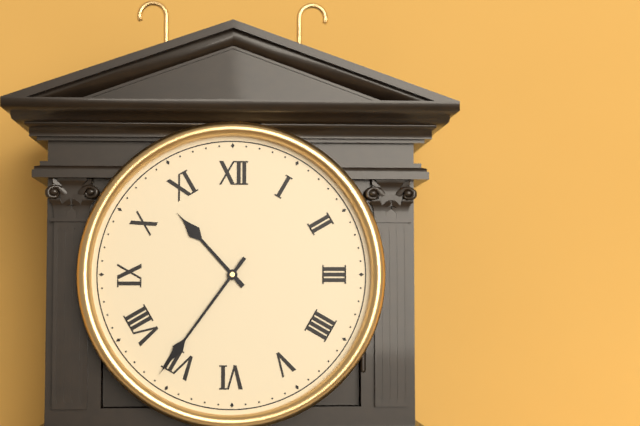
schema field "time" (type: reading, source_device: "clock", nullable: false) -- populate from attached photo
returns 10:36
